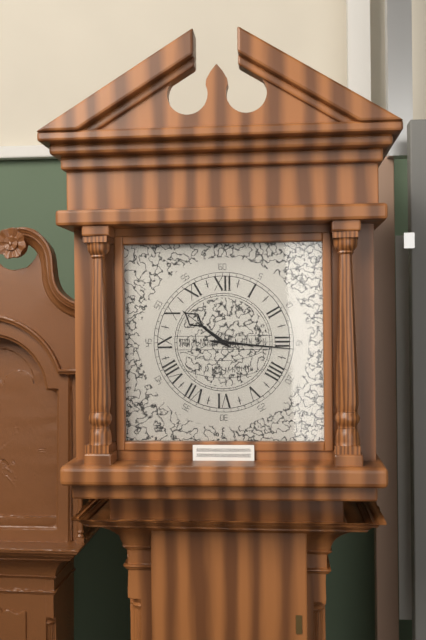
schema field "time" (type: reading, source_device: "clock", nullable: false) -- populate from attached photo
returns 10:16
